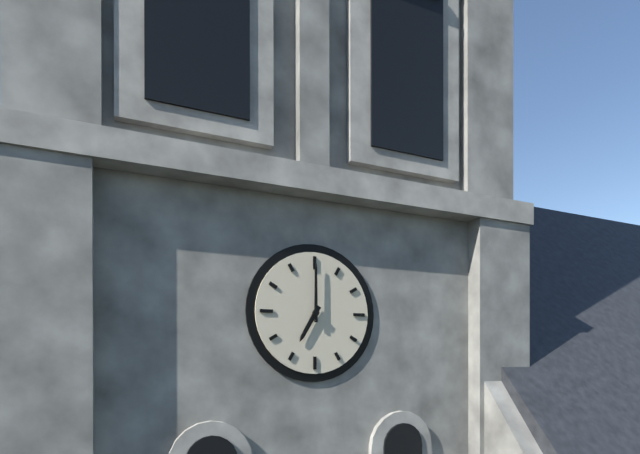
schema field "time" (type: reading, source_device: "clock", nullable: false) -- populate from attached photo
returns 7:00
